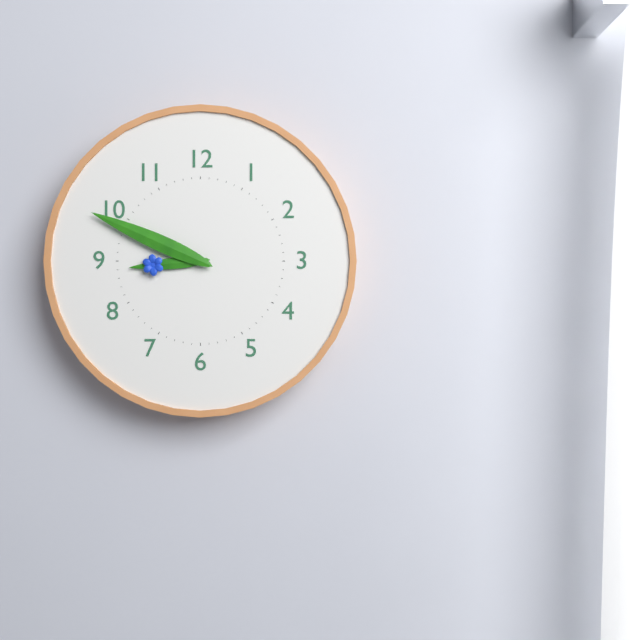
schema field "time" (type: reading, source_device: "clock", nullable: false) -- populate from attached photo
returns 8:49
